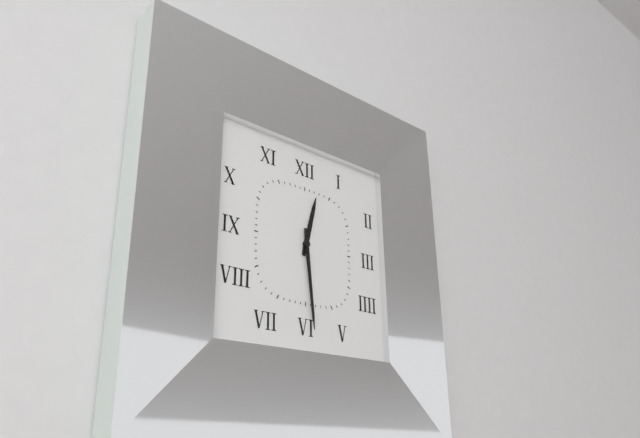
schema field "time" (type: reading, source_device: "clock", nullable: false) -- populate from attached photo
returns 12:29
